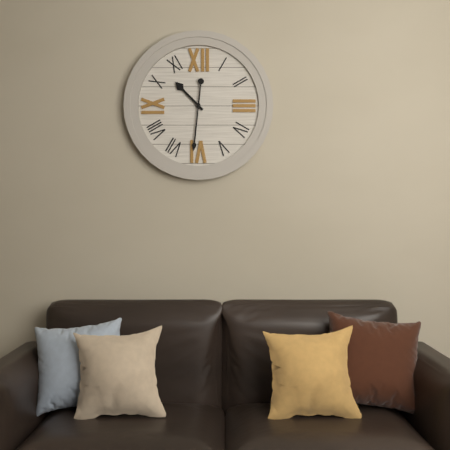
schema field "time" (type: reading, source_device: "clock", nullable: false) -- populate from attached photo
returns 10:31
